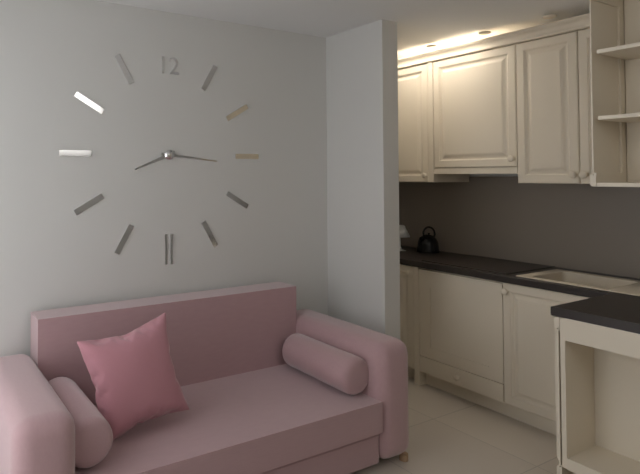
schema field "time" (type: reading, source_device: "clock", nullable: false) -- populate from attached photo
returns 8:16
